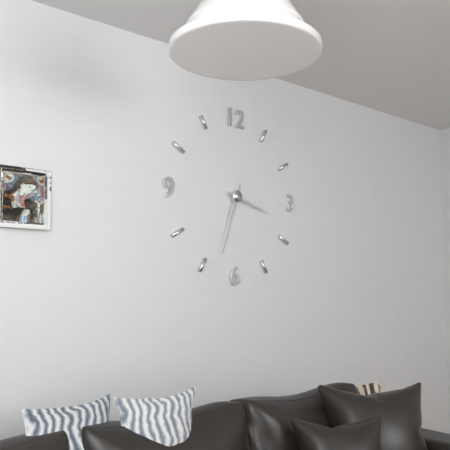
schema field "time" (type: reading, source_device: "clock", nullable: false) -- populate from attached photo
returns 3:33
